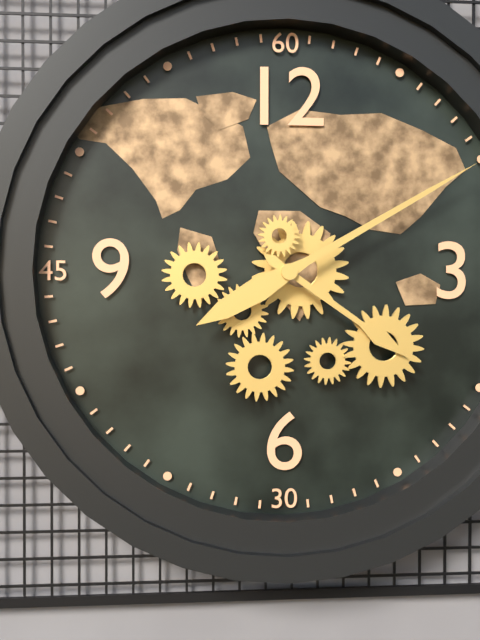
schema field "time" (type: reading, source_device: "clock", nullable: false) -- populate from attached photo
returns 4:10
